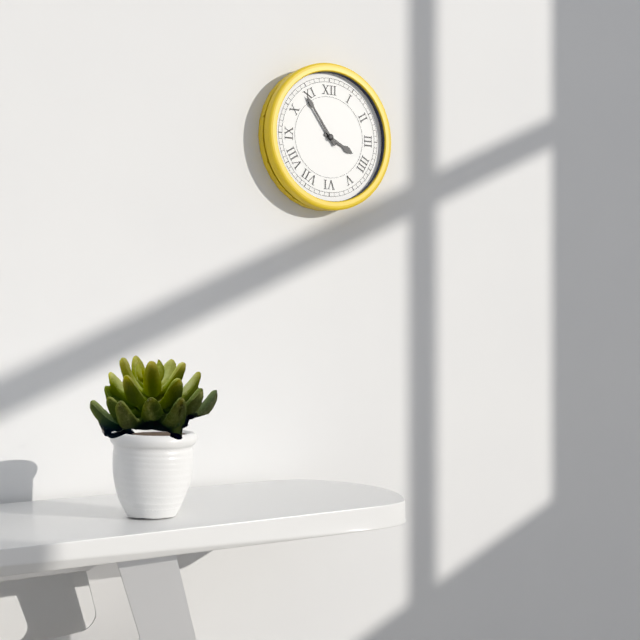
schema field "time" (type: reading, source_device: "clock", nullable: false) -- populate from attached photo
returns 3:54
